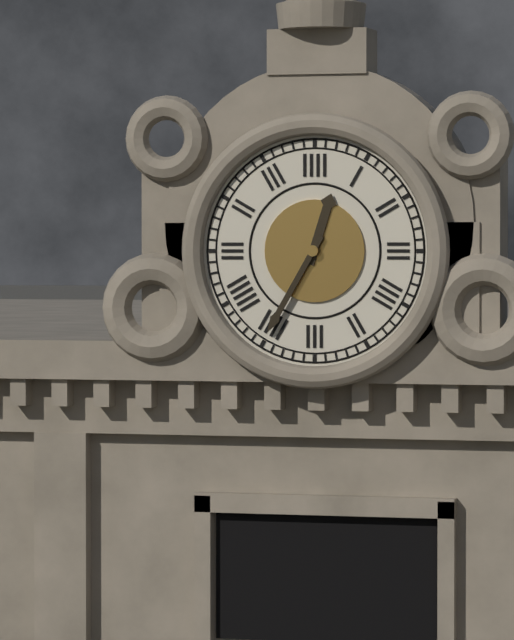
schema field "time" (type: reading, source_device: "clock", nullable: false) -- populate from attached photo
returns 12:35
